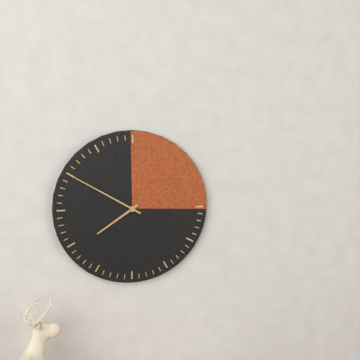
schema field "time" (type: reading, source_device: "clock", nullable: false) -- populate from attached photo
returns 7:50
